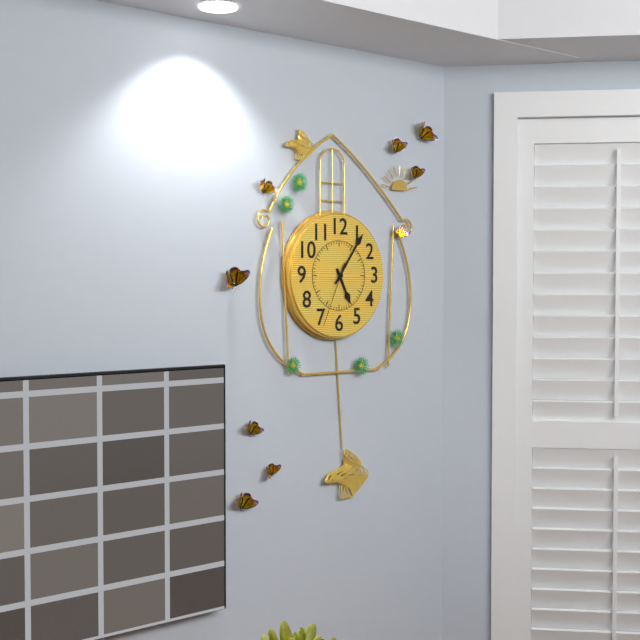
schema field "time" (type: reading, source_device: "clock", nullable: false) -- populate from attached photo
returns 5:06:34
